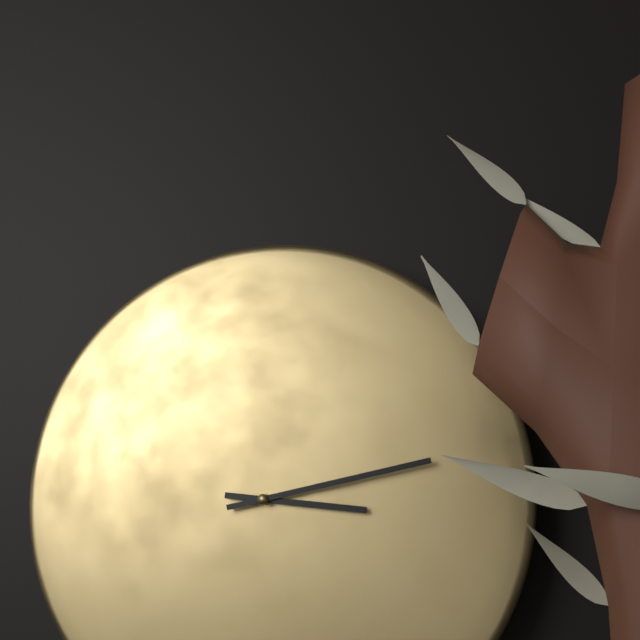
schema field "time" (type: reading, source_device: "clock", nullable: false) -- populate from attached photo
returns 3:13
